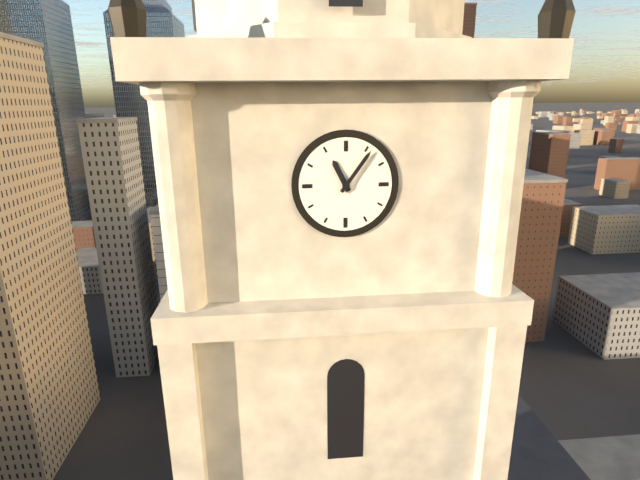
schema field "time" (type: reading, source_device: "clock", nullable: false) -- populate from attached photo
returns 11:06
